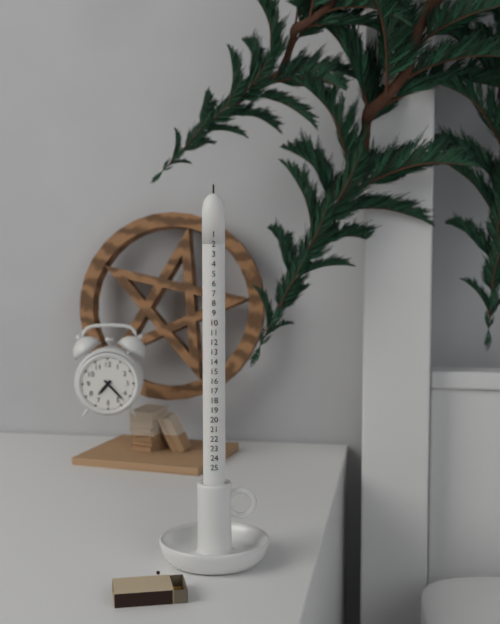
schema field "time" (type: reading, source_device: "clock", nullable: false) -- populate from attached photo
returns 7:23
